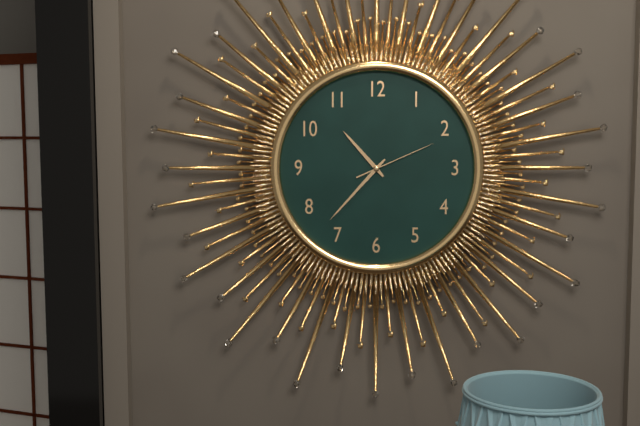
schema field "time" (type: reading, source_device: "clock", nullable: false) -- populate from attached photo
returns 10:37:11
